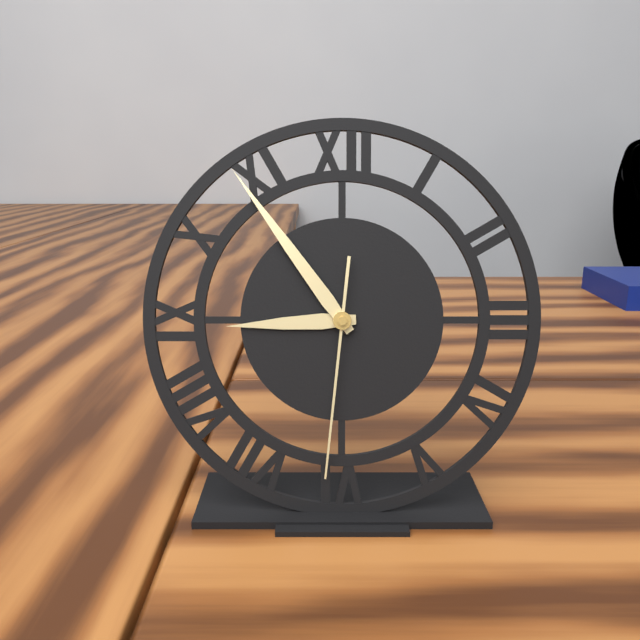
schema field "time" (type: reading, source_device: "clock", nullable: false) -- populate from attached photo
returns 8:54:31
